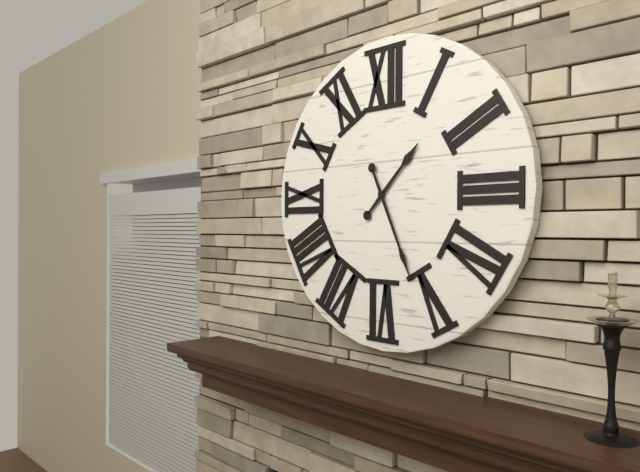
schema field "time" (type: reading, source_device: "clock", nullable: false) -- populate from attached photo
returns 1:26
